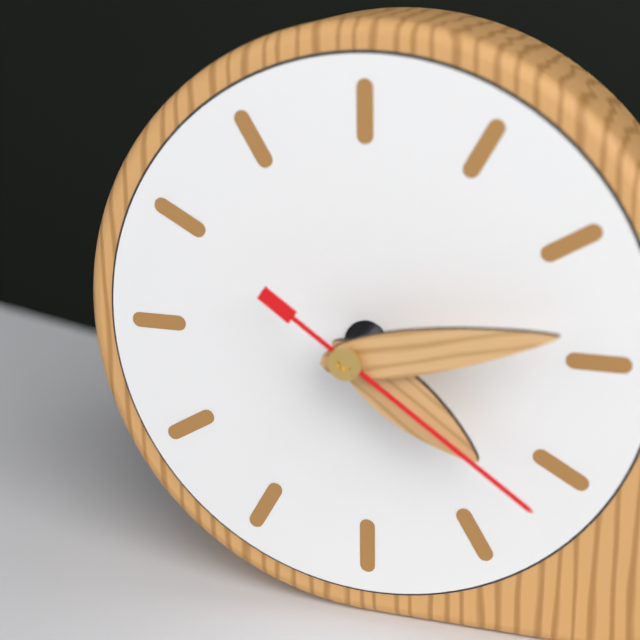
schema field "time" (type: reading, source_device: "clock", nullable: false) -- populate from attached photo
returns 4:13:21
